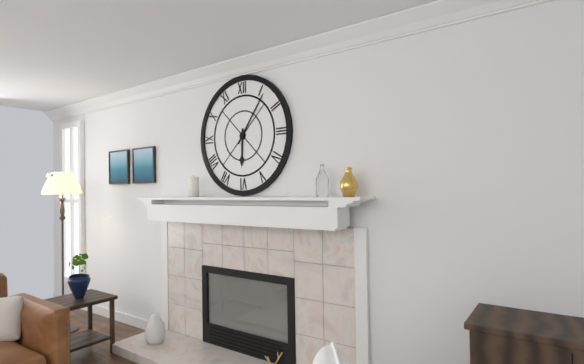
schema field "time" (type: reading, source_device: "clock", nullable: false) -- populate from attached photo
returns 6:06
